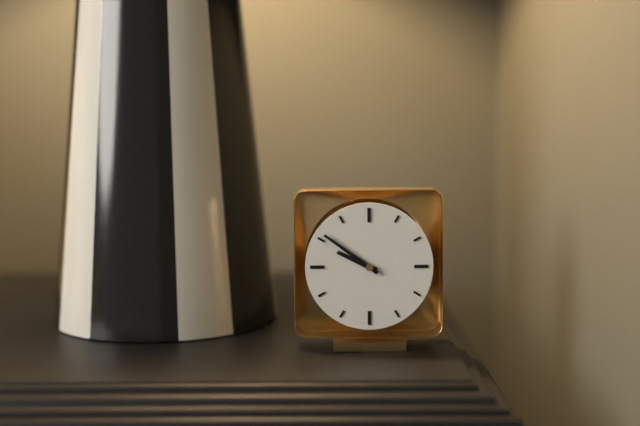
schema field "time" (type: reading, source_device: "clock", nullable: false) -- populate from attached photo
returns 9:51
